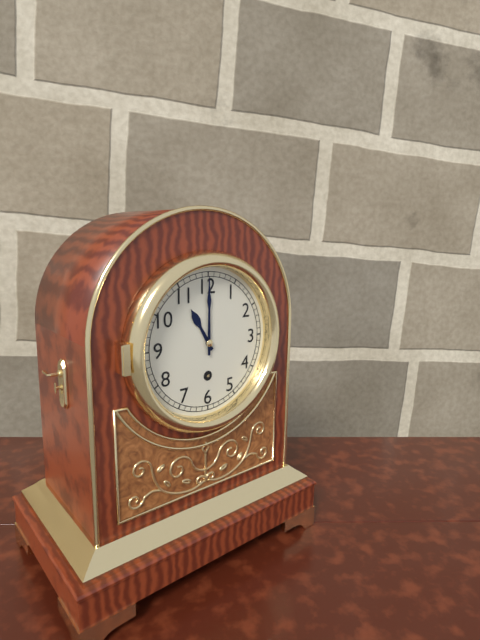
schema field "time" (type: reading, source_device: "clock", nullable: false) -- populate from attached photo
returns 11:00
